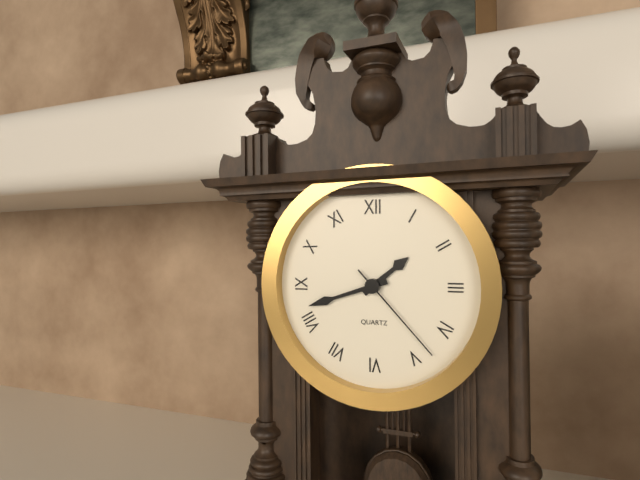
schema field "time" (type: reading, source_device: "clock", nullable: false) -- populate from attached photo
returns 1:42:23
